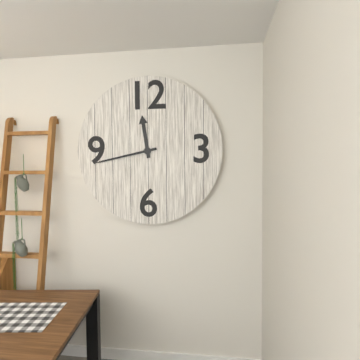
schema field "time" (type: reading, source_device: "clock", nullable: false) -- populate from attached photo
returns 11:43
